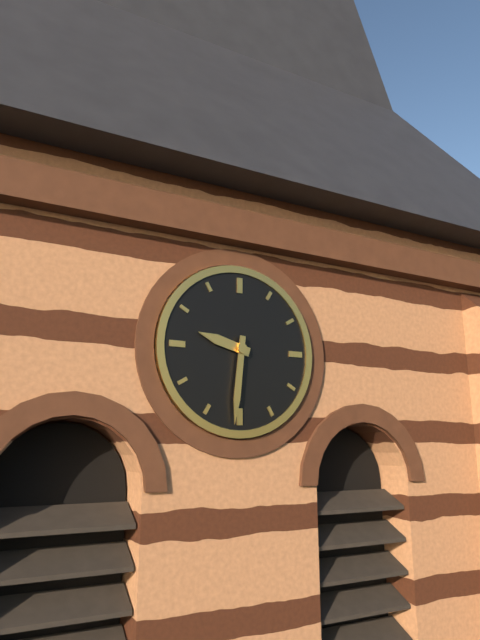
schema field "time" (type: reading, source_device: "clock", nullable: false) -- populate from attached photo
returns 9:31
